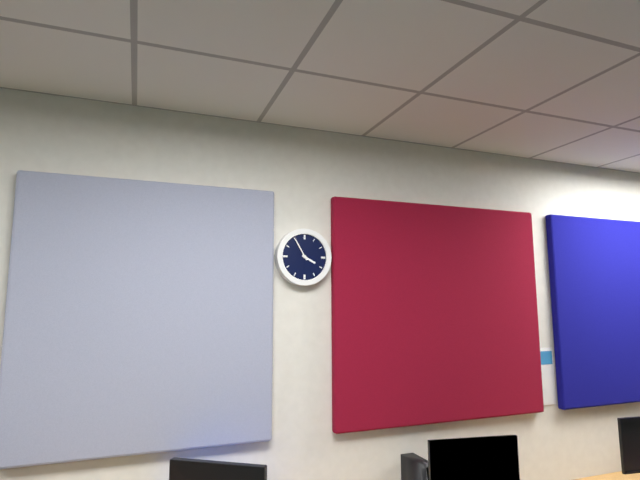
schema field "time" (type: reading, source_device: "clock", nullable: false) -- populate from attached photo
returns 3:55
